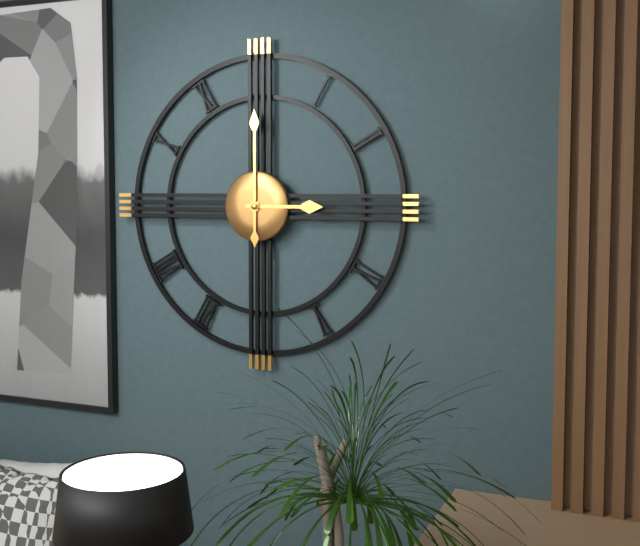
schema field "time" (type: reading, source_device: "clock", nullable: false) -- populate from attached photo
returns 3:00
